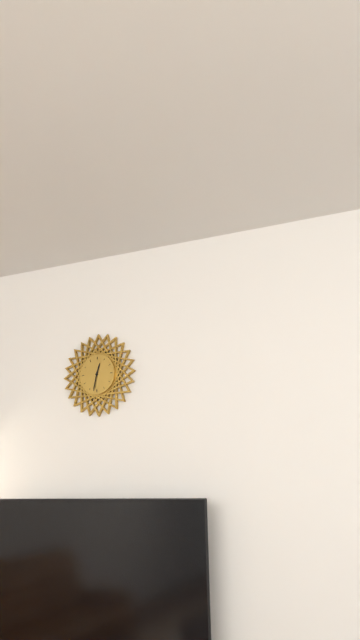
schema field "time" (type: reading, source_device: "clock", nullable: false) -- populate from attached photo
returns 12:32
